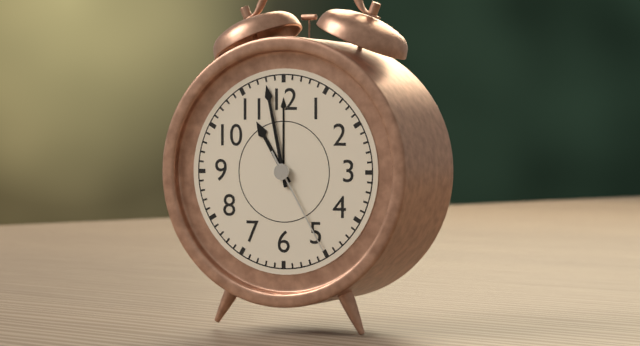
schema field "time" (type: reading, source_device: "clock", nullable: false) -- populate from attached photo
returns 10:58:25
